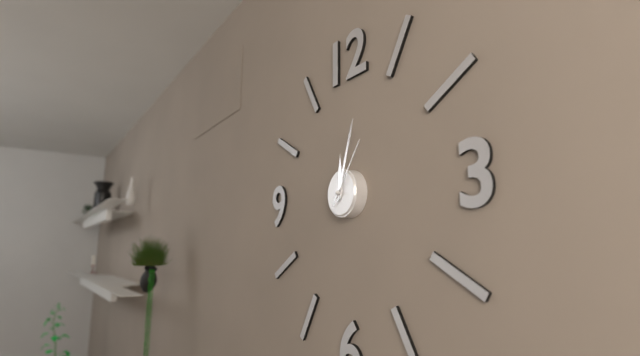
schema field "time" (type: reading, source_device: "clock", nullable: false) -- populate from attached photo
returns 12:03:06
